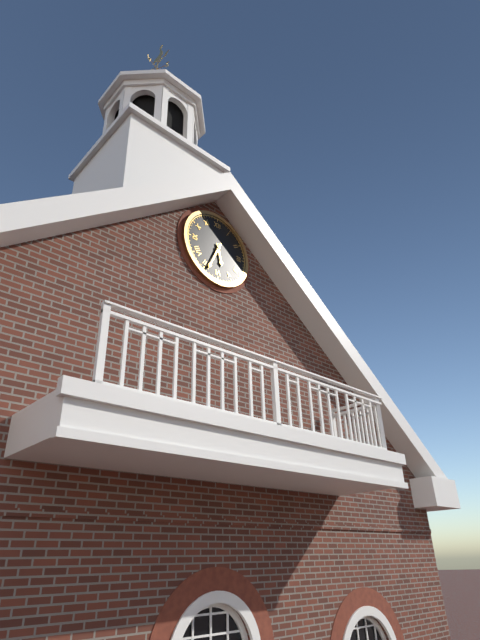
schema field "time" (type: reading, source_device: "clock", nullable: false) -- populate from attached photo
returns 5:34
